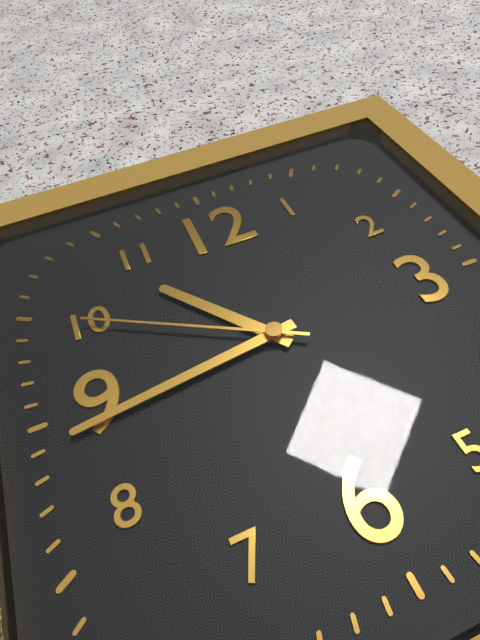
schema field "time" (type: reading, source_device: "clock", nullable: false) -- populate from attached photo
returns 10:44:50
